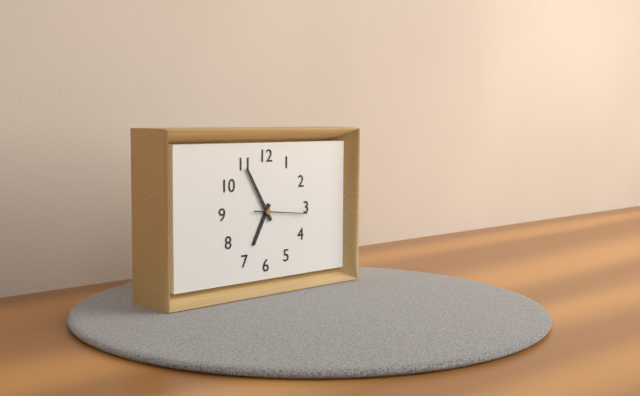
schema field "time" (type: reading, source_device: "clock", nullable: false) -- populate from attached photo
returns 6:55:16
